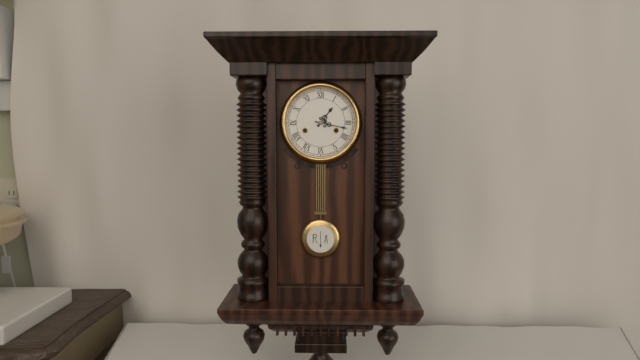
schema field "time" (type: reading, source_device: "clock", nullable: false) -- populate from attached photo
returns 1:17
